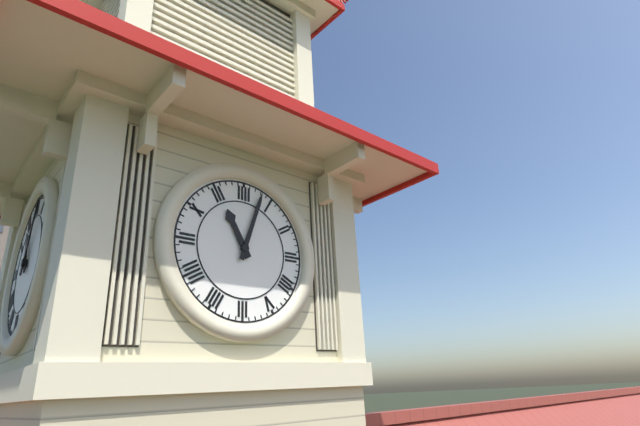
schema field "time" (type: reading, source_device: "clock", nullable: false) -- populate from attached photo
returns 11:03
